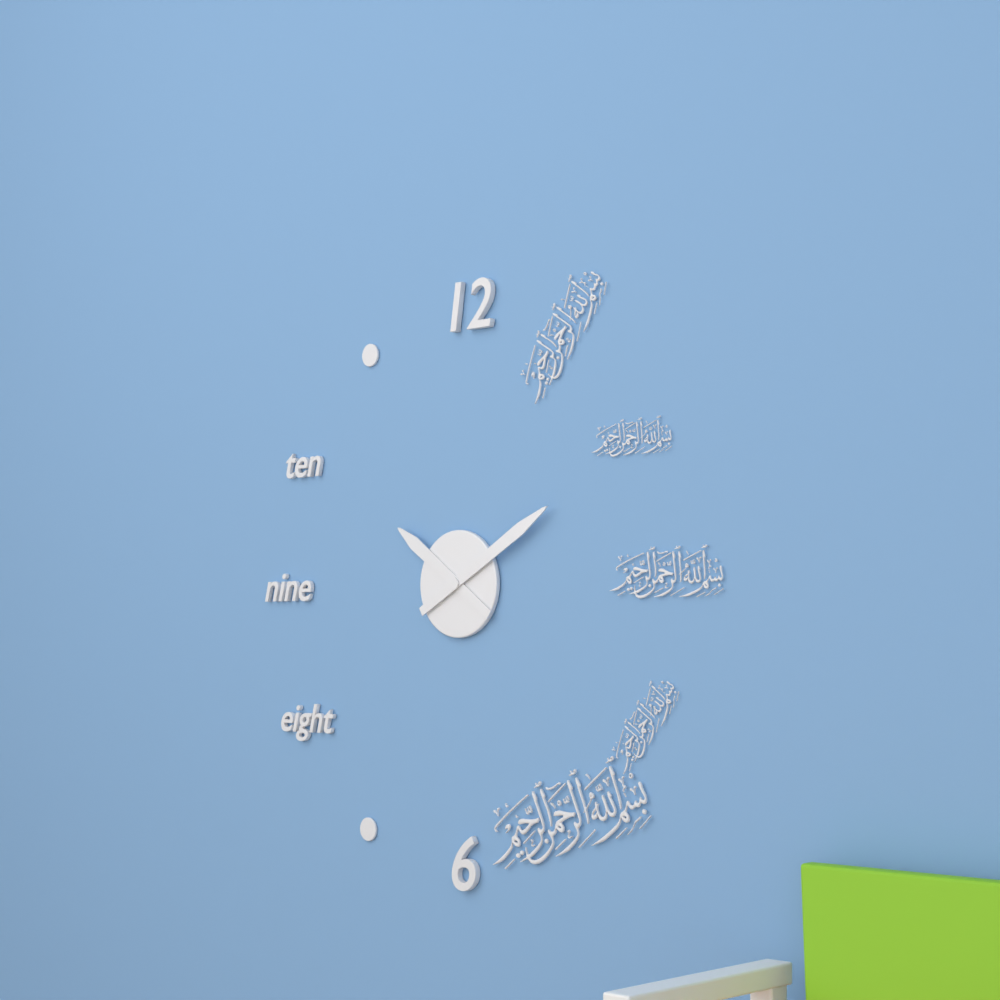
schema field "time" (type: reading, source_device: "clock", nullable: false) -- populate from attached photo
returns 10:10
